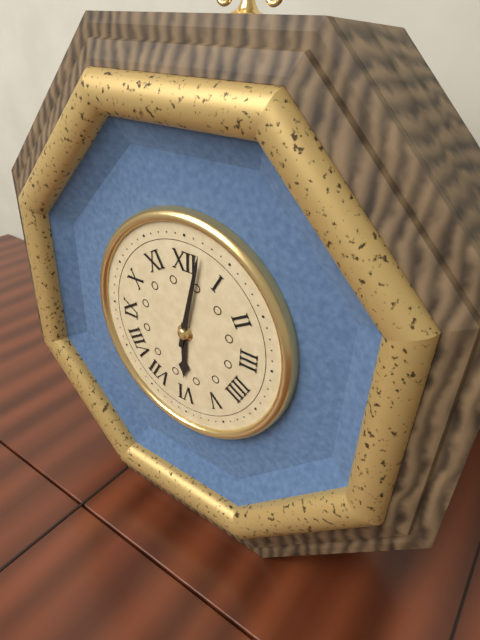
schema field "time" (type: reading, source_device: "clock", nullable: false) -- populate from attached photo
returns 6:02
